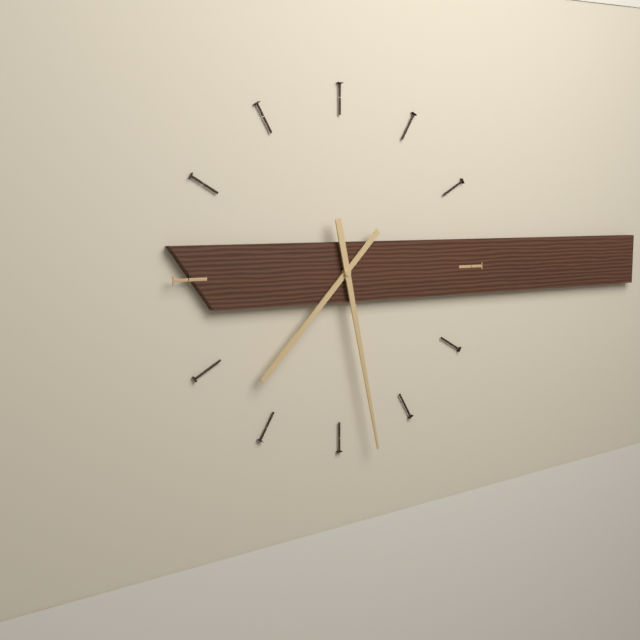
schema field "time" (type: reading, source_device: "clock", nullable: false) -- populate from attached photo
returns 7:28
